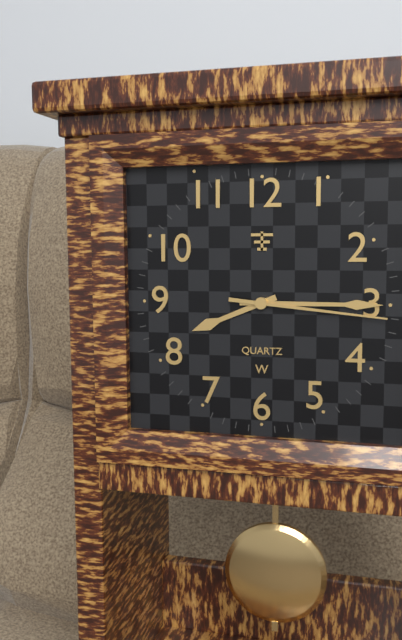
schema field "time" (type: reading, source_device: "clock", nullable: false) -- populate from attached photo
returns 8:15:16
